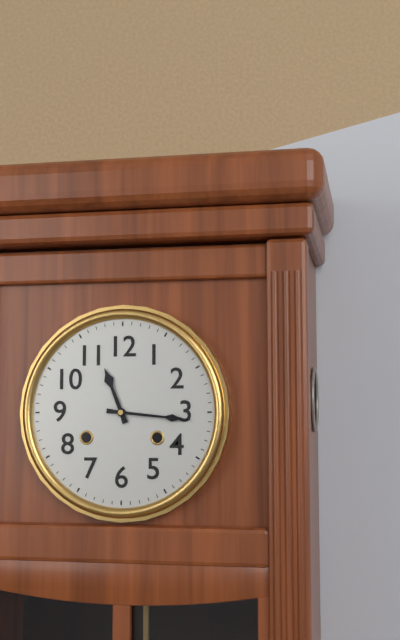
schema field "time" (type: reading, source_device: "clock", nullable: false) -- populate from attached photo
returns 11:16
